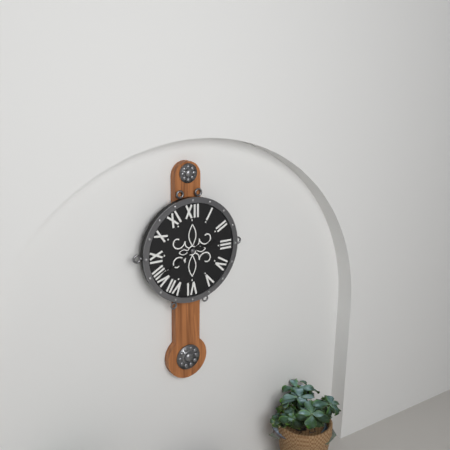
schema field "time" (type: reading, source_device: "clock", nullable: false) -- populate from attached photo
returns 2:40
